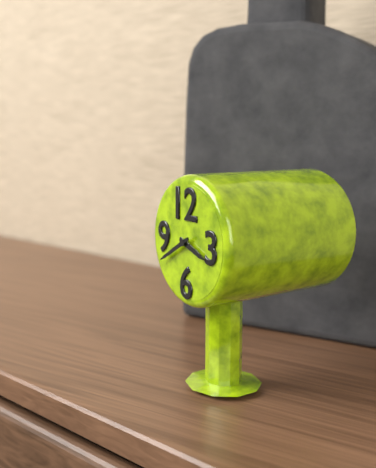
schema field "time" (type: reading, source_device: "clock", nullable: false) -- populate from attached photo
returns 3:40
